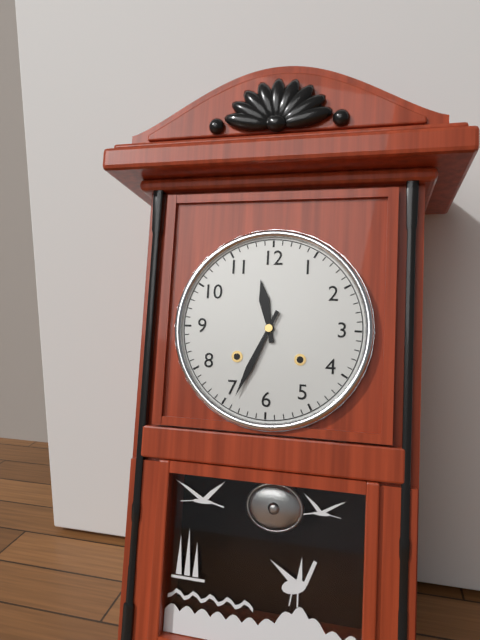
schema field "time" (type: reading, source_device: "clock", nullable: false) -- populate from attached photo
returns 11:34
